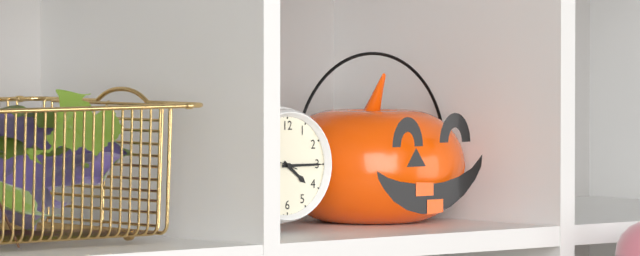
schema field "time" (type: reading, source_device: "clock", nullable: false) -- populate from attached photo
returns 4:15
